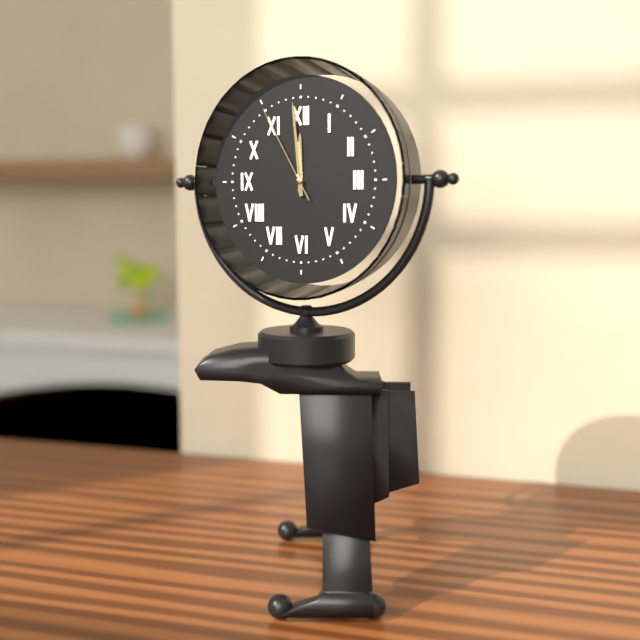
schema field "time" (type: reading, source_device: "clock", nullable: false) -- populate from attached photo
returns 11:59:55
